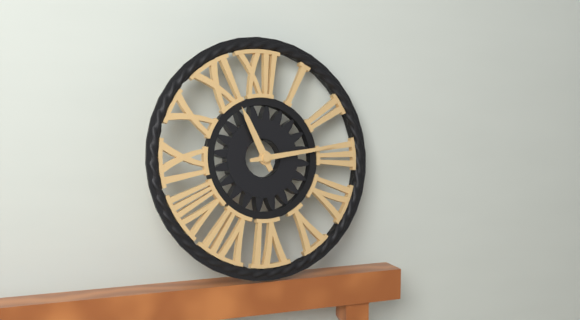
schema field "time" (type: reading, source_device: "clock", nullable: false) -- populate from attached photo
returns 11:14
